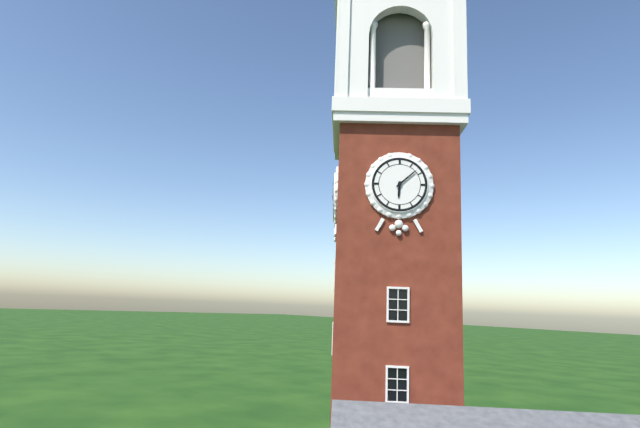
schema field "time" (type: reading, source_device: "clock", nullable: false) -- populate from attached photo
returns 6:08
